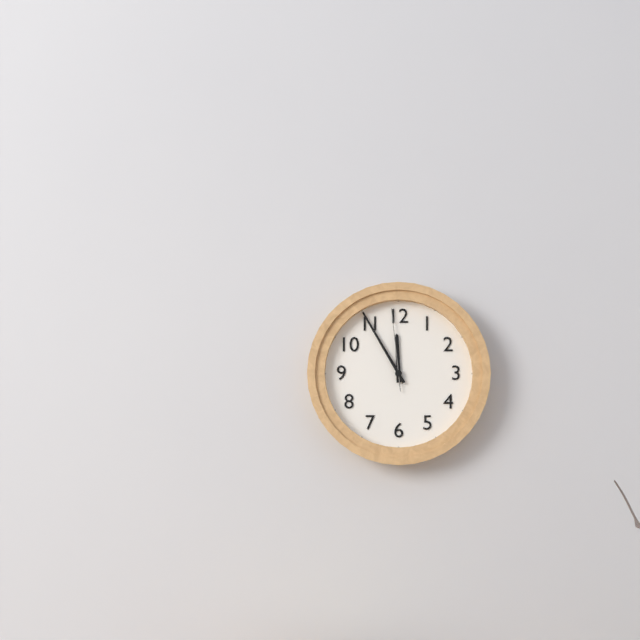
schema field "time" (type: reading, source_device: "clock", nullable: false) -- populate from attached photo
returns 11:55:59
